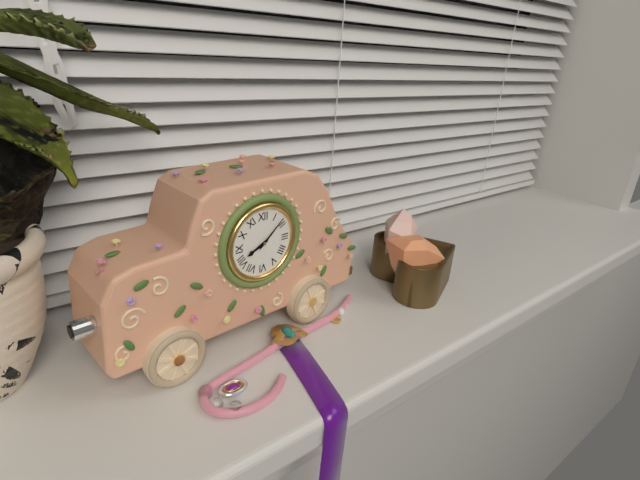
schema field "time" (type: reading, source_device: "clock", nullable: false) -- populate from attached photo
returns 8:08
